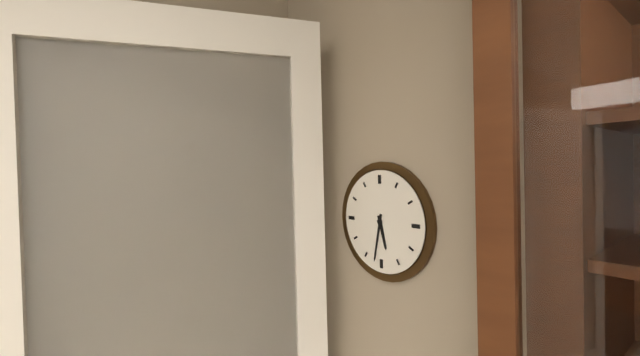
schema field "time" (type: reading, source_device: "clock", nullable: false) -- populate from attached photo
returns 5:32
